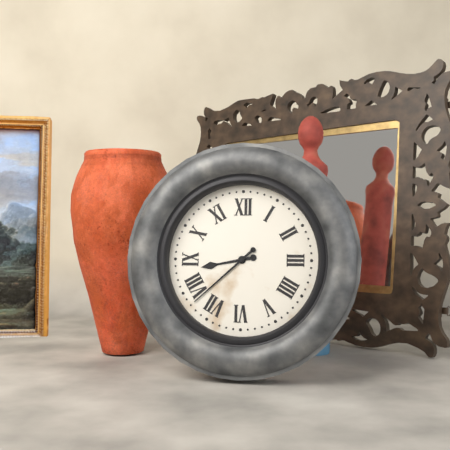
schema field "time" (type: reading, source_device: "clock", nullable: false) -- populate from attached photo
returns 8:38
